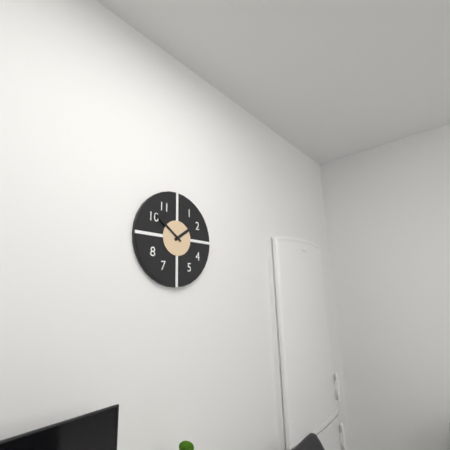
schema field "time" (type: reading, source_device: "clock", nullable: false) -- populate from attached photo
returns 1:51
